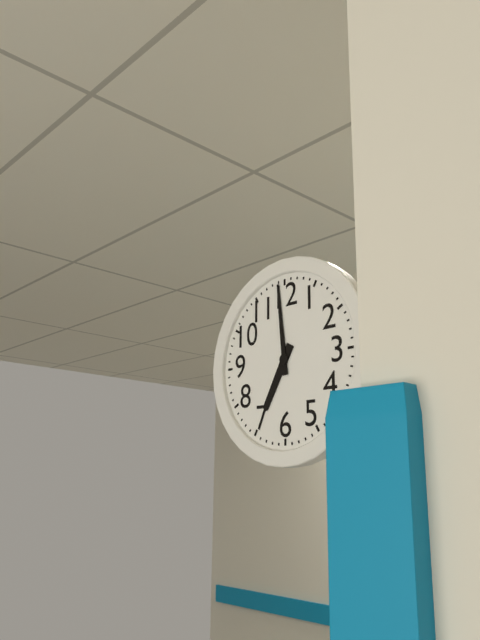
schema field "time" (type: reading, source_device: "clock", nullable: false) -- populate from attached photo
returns 6:59
